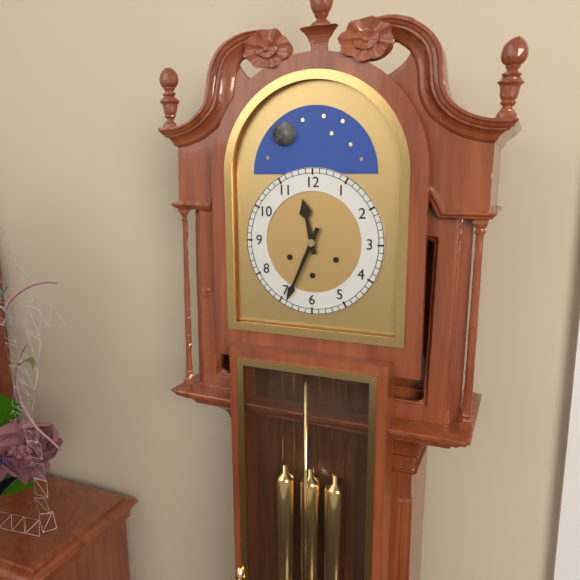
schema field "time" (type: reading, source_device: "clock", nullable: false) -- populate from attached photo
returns 11:34
